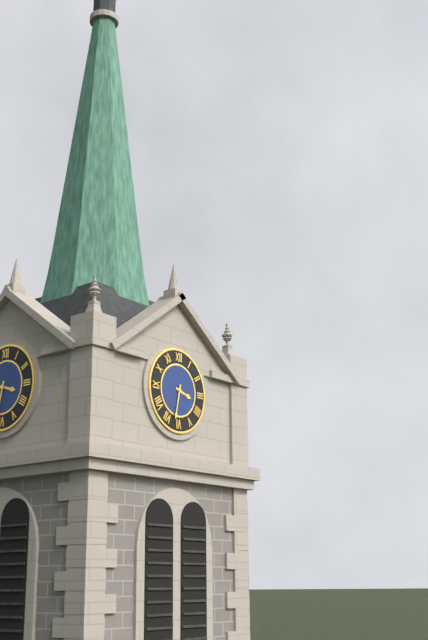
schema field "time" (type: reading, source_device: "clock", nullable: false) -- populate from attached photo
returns 3:32
